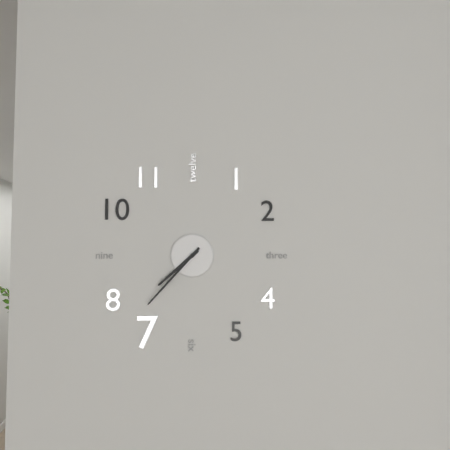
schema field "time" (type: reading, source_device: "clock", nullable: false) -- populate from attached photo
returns 7:37
